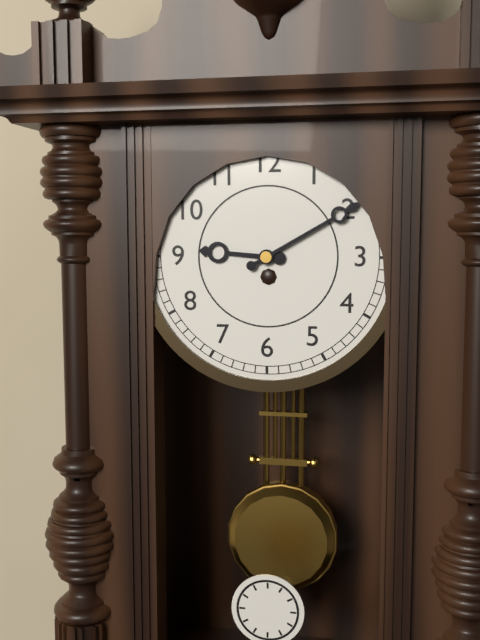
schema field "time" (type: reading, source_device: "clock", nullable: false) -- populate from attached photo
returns 9:10
